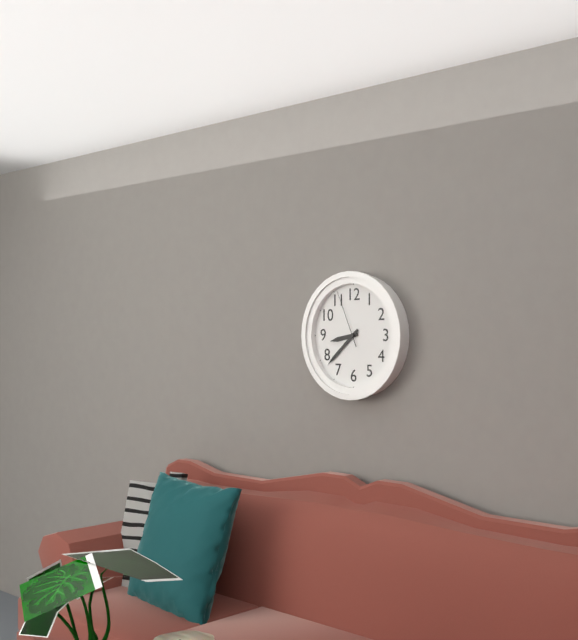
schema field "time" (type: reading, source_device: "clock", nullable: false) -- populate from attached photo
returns 8:38:56
